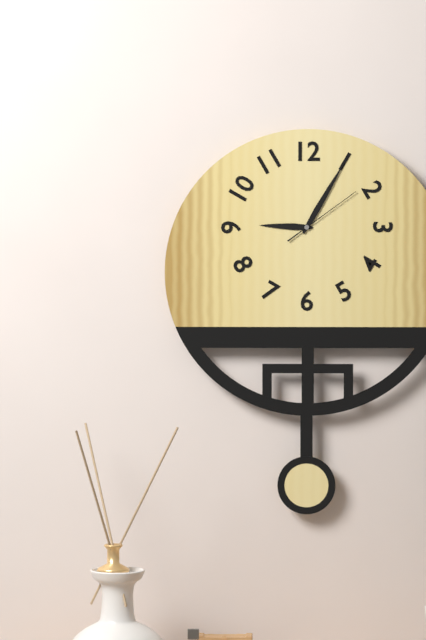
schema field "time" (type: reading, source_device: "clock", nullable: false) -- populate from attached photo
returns 9:05:09
